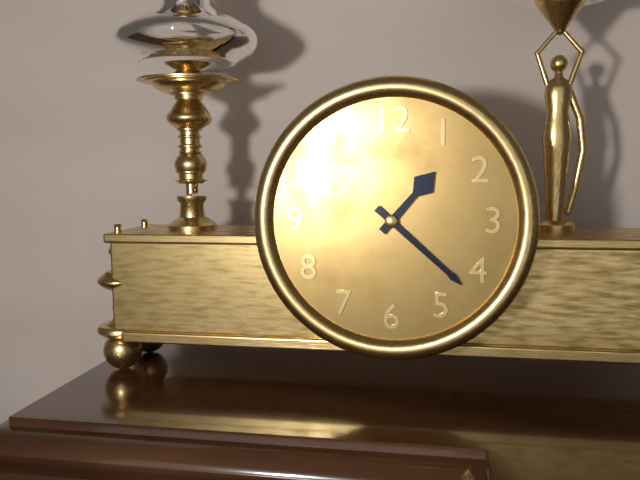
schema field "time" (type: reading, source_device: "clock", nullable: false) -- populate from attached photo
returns 1:22
